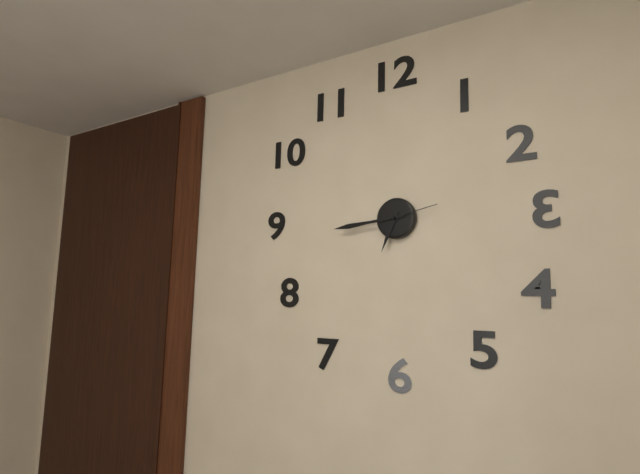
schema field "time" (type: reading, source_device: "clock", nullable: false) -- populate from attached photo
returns 6:44:13
